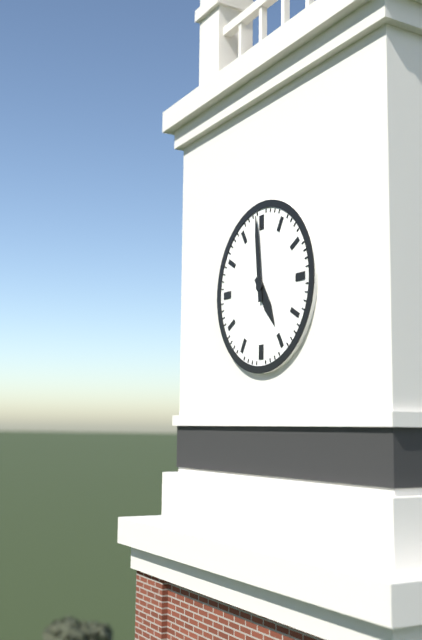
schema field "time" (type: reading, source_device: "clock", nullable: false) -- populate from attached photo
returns 4:59
